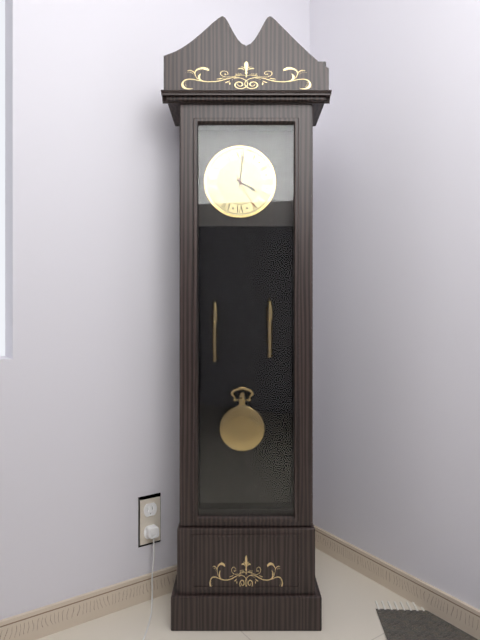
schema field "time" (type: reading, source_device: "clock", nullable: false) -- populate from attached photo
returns 4:01
